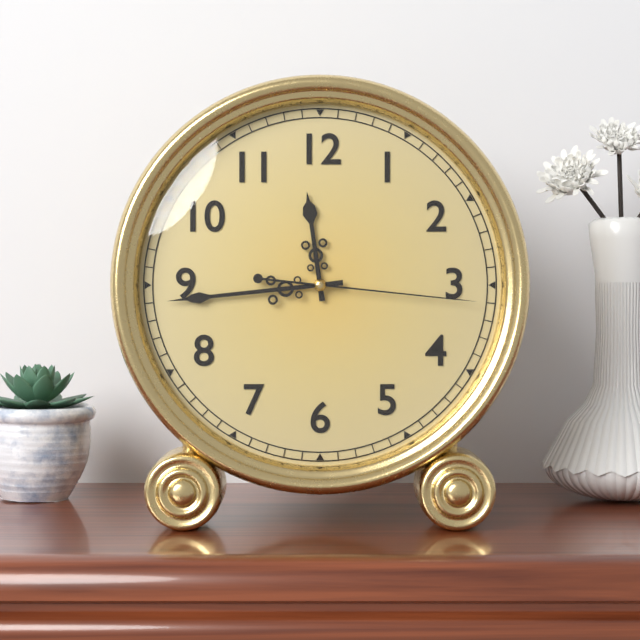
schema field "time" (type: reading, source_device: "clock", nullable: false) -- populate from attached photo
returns 11:44:16
